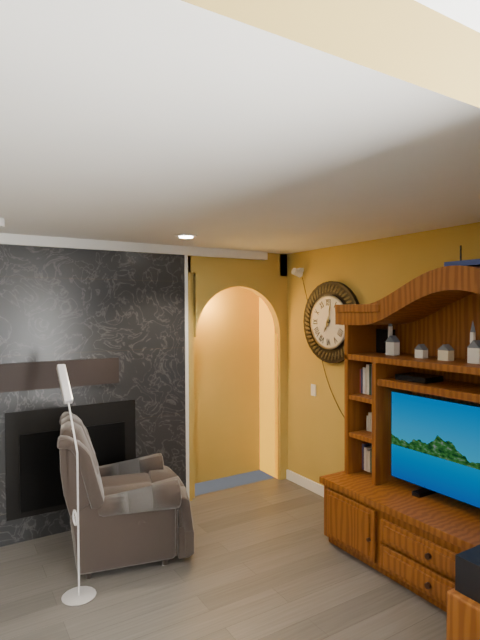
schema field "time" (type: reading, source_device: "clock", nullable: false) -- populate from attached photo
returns 7:02
